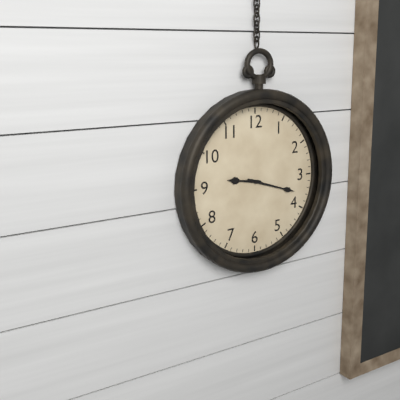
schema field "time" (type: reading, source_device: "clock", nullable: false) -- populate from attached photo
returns 9:18
